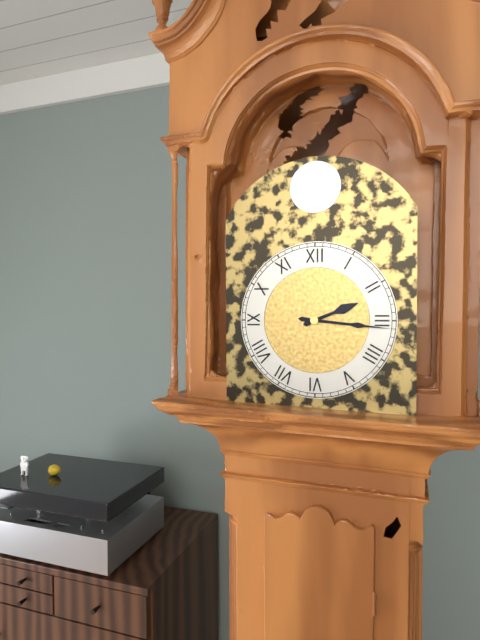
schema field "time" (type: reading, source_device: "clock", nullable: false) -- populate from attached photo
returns 2:16
